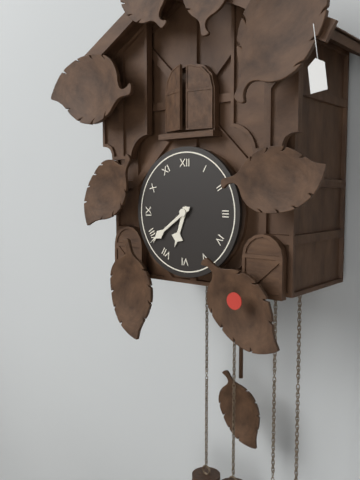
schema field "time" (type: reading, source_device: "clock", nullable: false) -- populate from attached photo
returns 6:39
